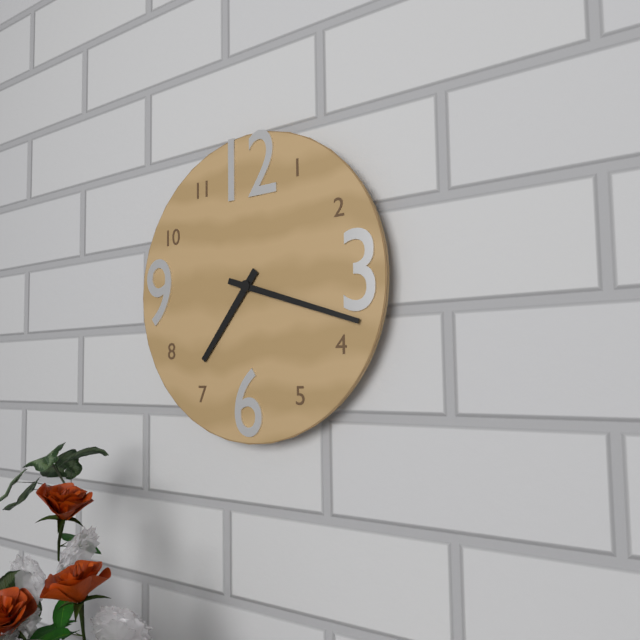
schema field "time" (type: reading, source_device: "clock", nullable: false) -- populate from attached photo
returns 7:18
